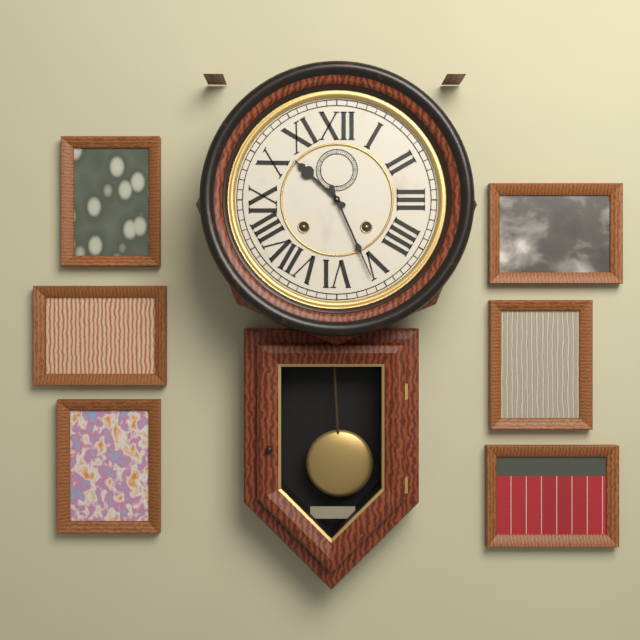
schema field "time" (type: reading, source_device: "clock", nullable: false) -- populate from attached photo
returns 10:26
